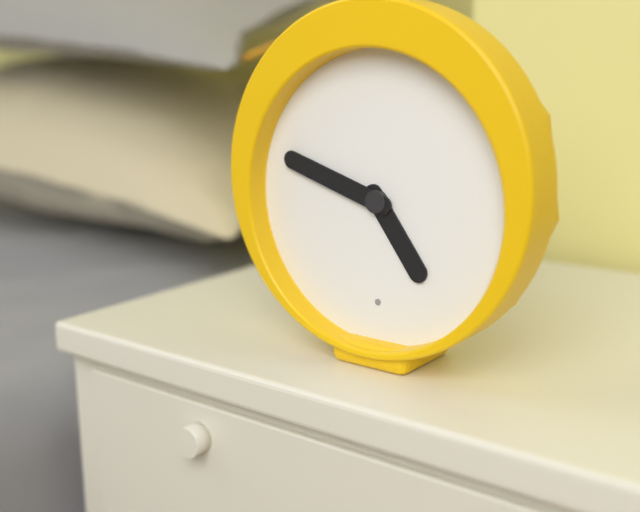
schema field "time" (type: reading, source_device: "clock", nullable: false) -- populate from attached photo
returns 4:48
